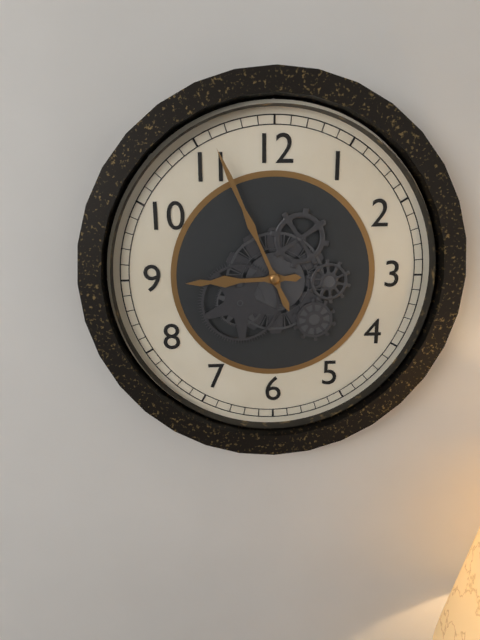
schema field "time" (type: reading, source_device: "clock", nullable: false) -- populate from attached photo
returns 8:56
